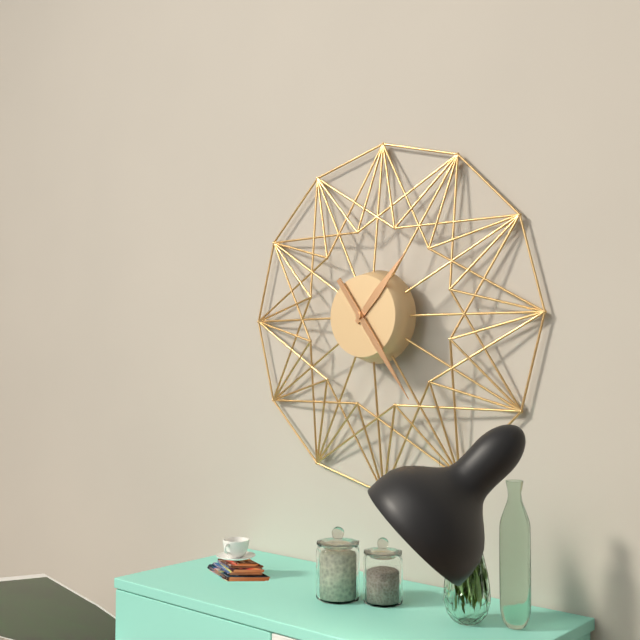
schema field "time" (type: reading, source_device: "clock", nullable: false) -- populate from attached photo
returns 1:24
